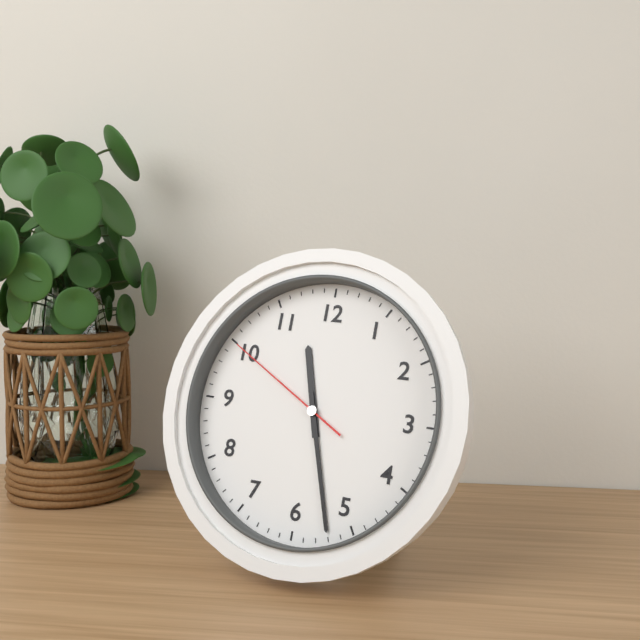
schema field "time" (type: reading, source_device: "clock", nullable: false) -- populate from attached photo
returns 11:27:50
